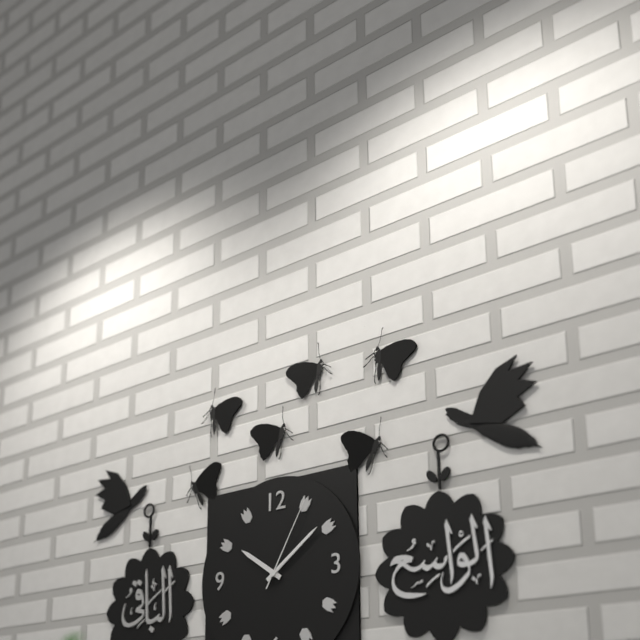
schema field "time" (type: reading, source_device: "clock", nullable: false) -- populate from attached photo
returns 10:09:05
